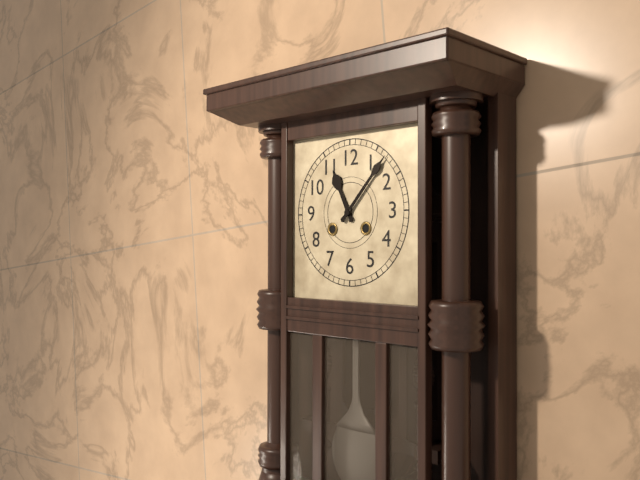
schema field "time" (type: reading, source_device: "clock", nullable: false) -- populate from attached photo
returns 11:07
